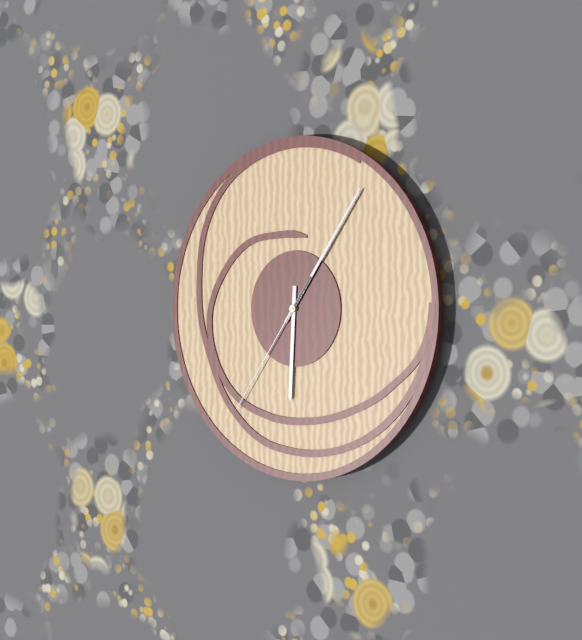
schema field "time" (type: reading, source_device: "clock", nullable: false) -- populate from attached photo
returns 6:06:36
